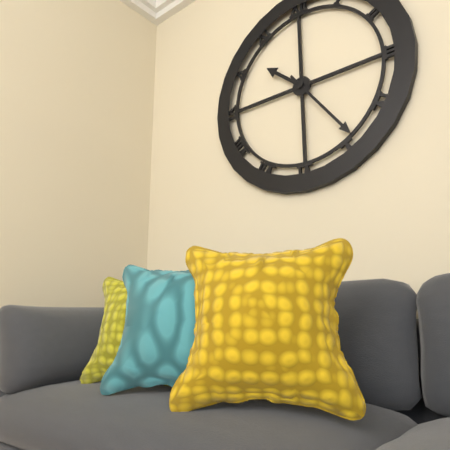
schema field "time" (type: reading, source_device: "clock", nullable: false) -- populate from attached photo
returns 10:24
